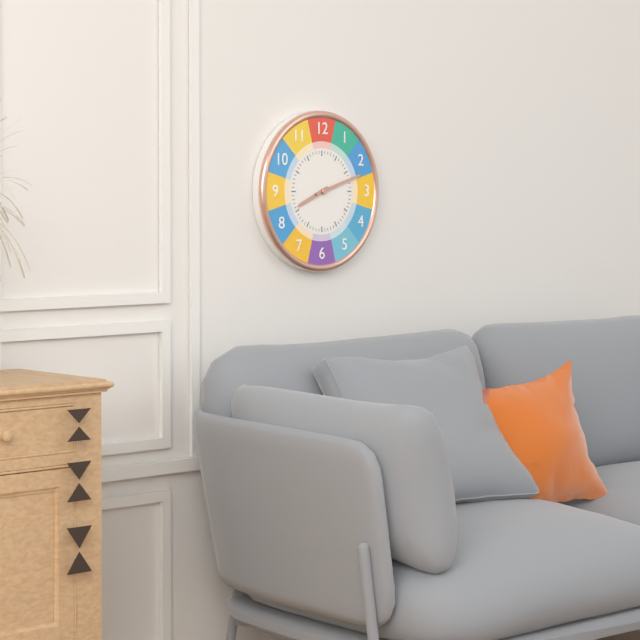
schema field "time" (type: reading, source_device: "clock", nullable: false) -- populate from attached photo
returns 8:12
